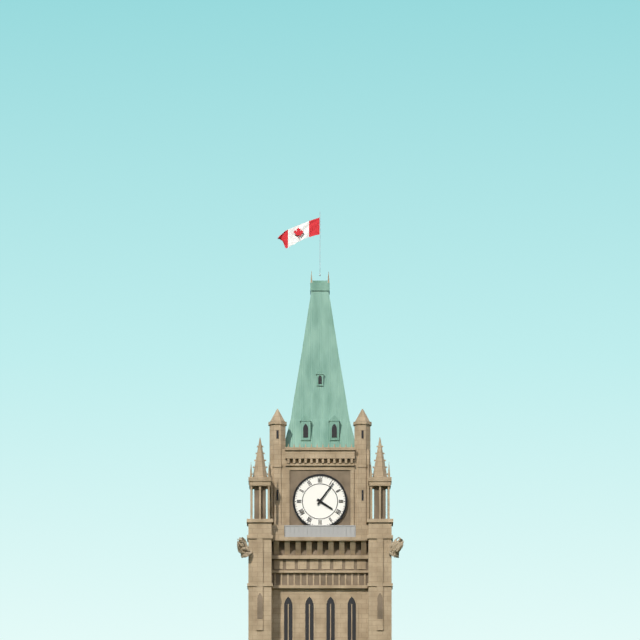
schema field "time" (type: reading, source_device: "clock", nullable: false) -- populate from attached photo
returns 4:06
